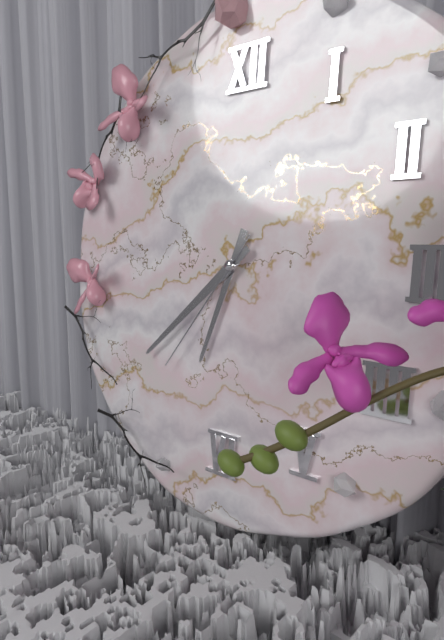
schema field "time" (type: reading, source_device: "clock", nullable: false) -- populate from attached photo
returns 6:38:36
